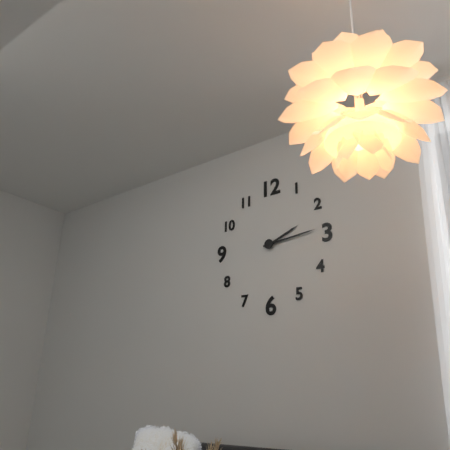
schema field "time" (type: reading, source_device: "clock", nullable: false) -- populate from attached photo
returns 2:14
